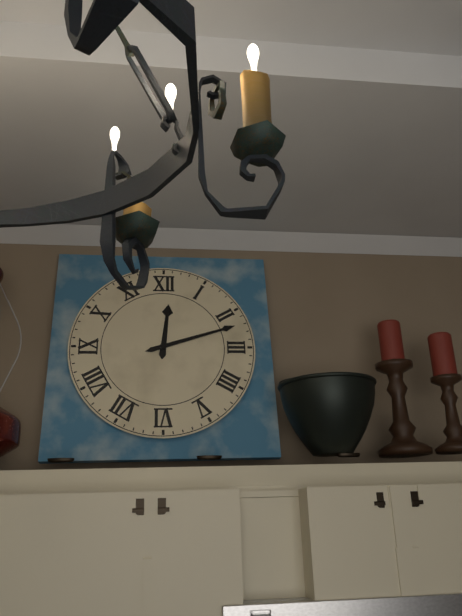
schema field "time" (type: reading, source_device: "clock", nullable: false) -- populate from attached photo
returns 12:12
